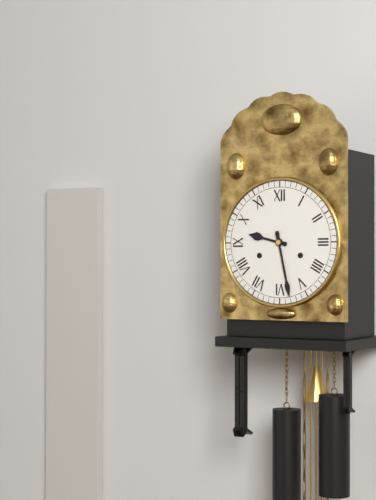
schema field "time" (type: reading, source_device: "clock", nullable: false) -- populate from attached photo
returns 9:28
